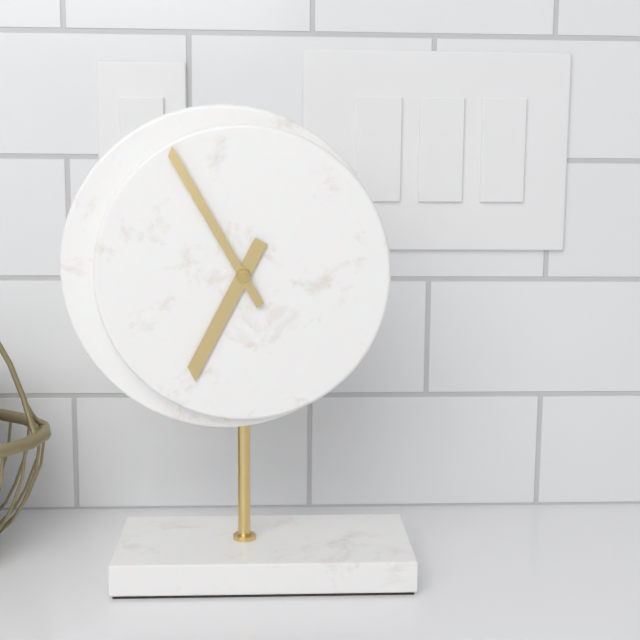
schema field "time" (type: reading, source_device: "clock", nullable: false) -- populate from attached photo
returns 6:55
